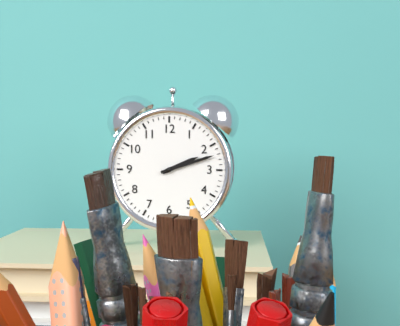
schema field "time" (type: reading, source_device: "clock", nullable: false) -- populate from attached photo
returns 2:12
